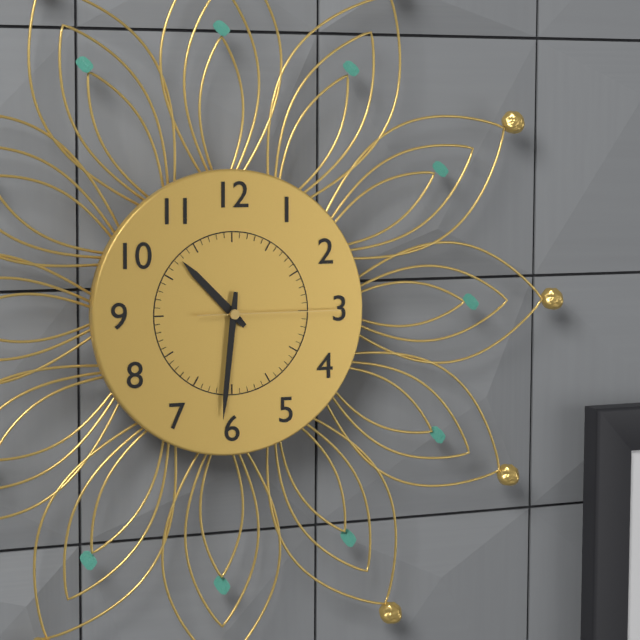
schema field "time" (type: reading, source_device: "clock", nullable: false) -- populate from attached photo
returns 10:31:15
